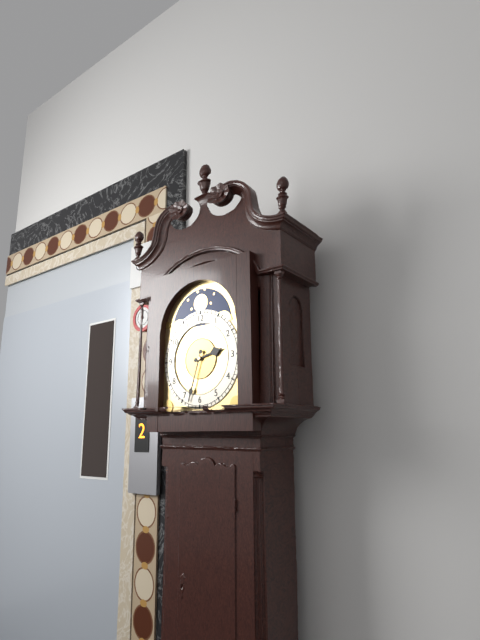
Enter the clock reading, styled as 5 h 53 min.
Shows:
2 h 33 min
